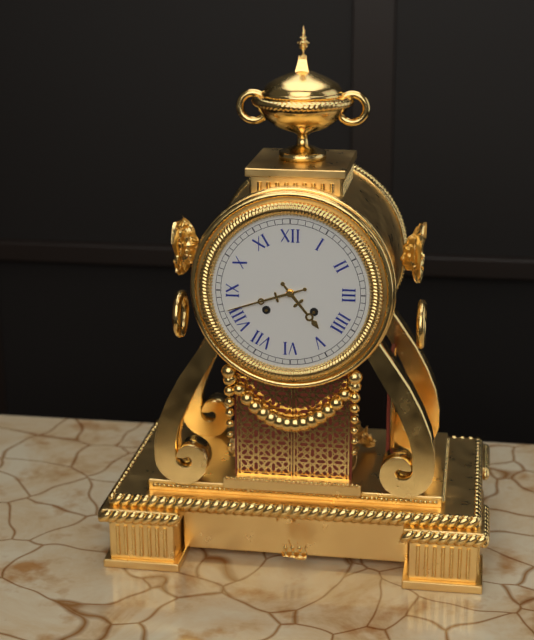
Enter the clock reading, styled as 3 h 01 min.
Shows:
4 h 42 min
